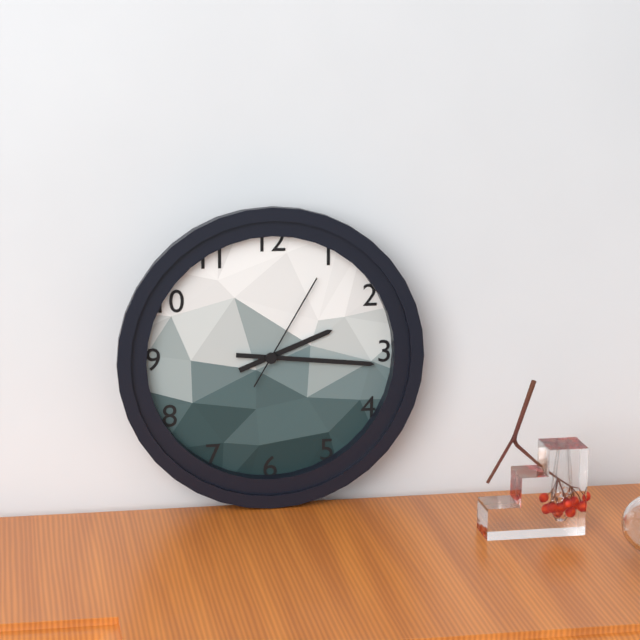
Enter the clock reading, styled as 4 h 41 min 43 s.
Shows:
2 h 16 min 05 s
